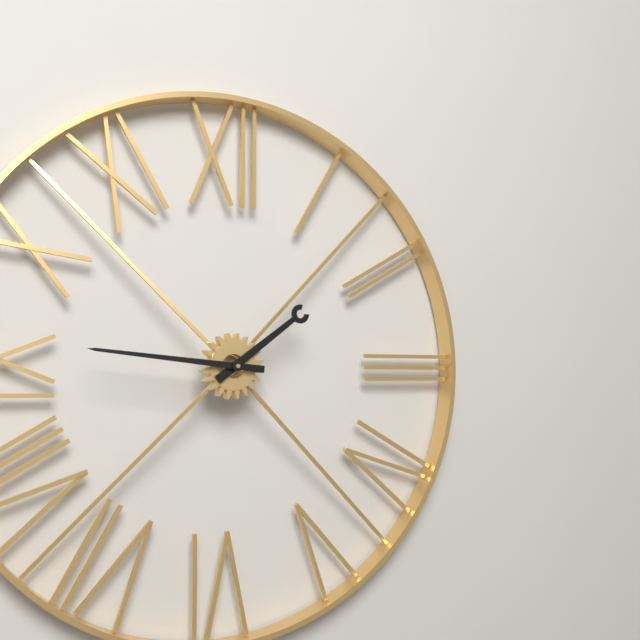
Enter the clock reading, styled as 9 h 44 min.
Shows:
1 h 46 min
